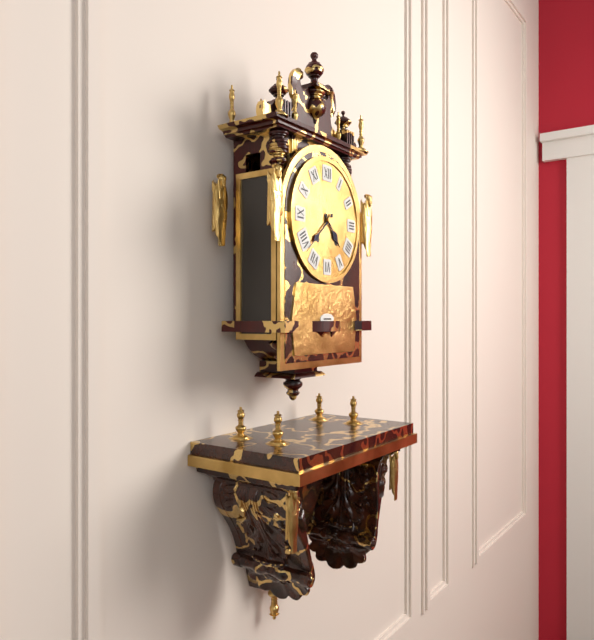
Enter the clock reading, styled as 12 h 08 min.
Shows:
4 h 38 min
